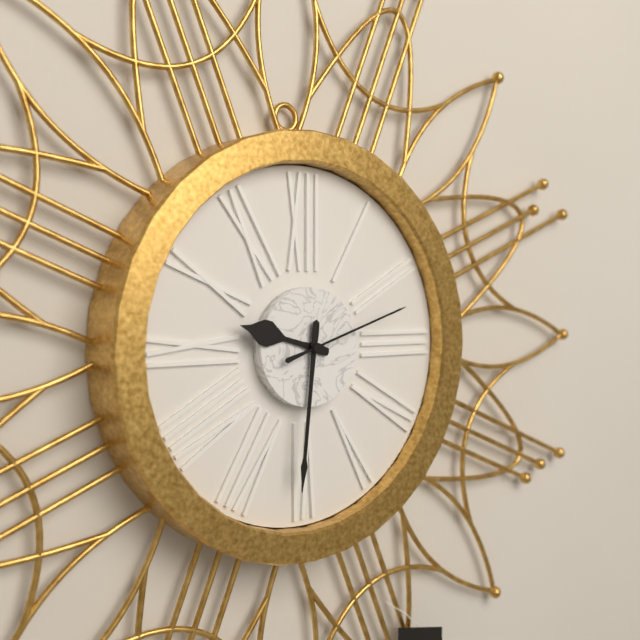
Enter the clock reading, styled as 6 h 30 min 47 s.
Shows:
9 h 31 min 12 s
